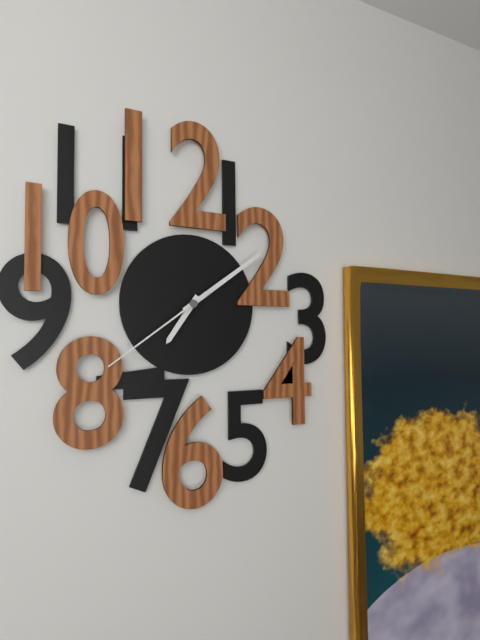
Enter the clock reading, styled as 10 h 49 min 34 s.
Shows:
7 h 09 min 39 s
